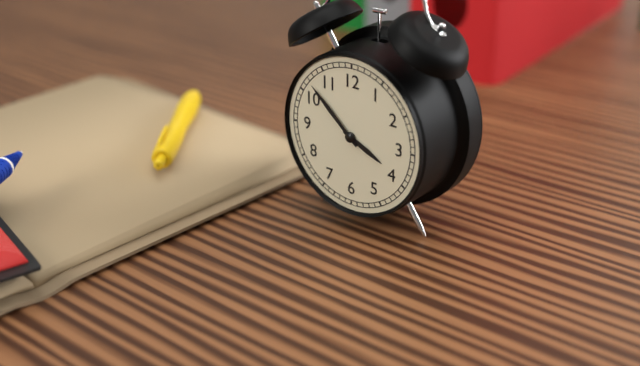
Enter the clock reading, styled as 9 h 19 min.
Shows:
3 h 52 min
